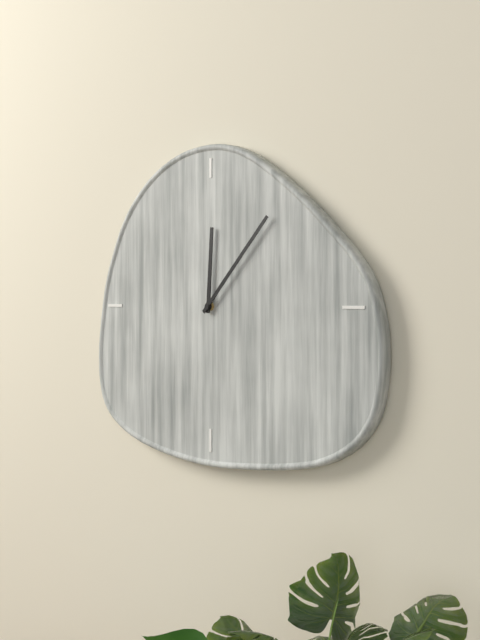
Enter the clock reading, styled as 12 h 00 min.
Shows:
12 h 07 min
